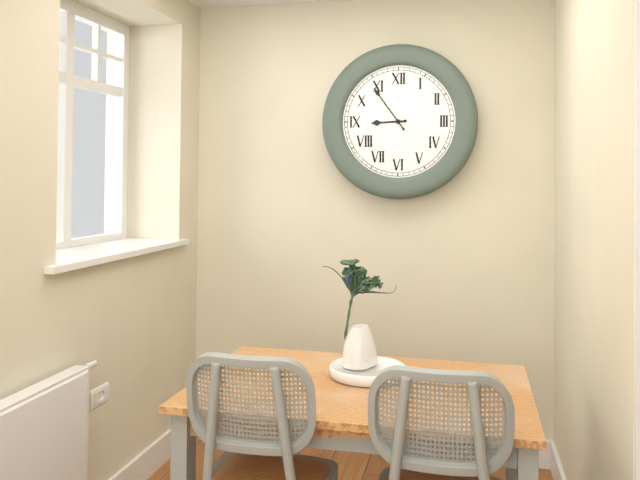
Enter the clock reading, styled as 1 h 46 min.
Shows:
8 h 54 min
